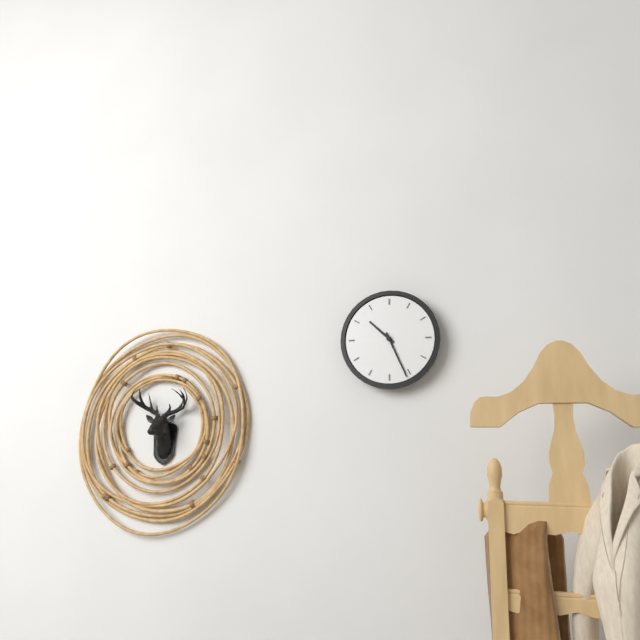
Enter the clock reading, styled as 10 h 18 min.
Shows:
10 h 26 min
